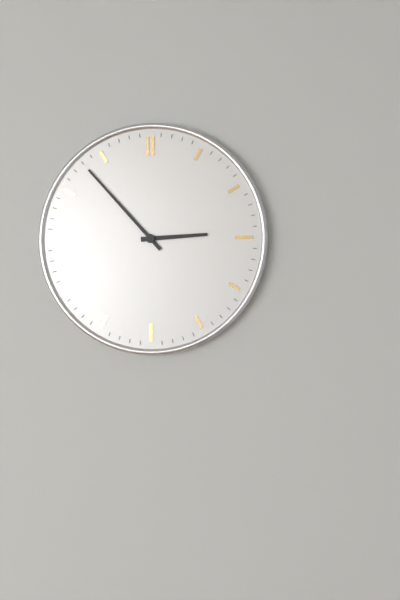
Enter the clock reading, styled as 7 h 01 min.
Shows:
2 h 53 min
